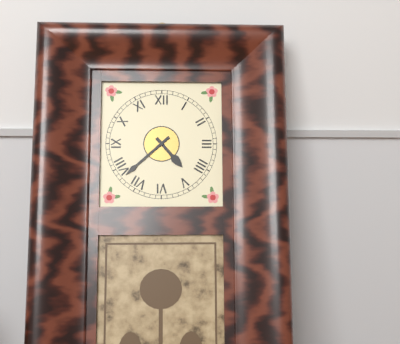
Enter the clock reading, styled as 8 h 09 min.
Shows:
4 h 38 min
